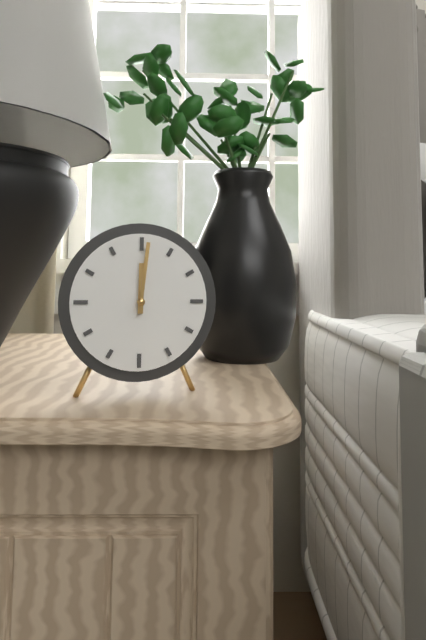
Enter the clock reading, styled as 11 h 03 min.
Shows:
12 h 01 min
